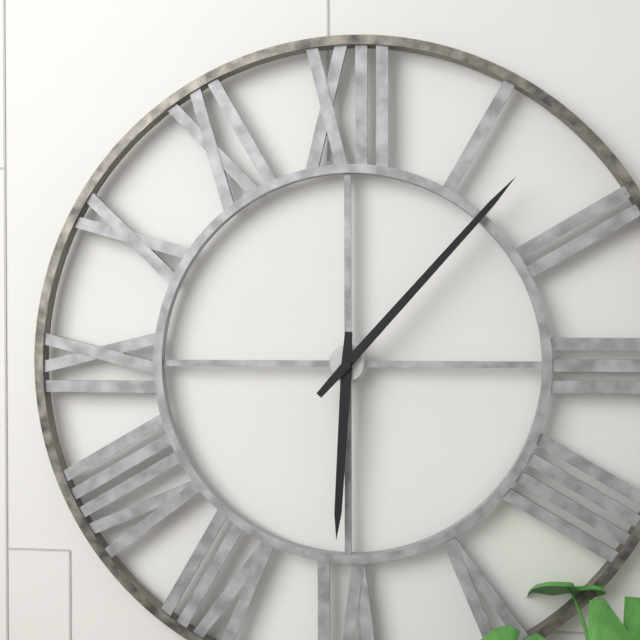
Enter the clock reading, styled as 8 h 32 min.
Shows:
6 h 07 min
